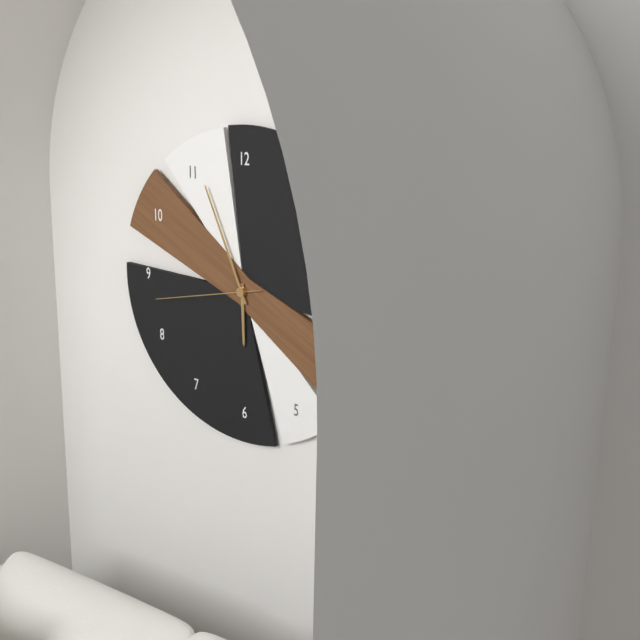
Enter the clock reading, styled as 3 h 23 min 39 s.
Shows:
5 h 56 min 43 s
